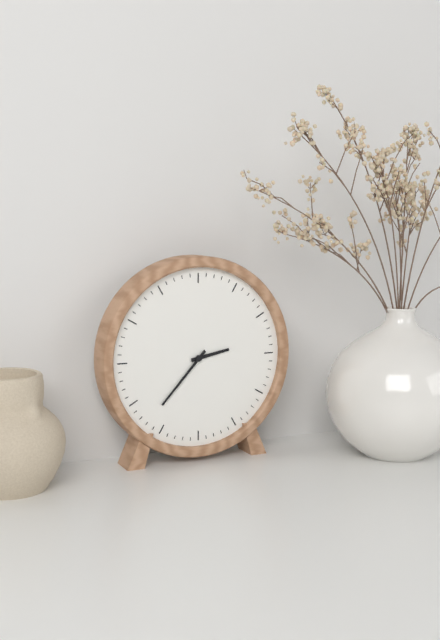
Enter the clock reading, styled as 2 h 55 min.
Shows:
2 h 37 min
